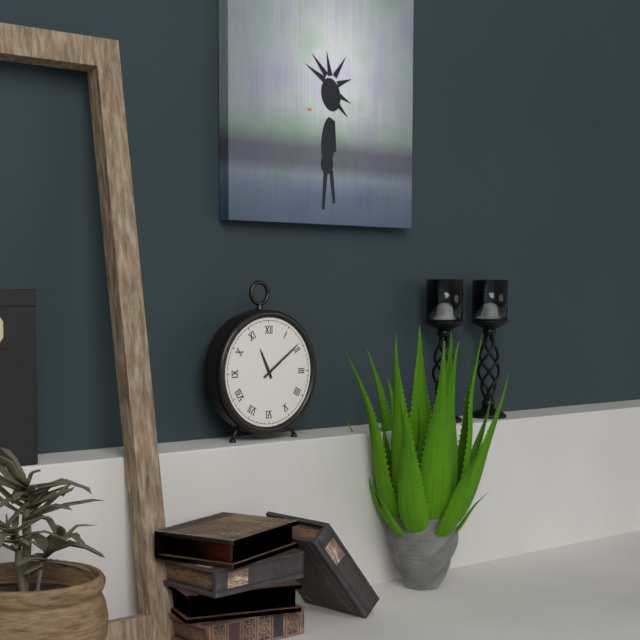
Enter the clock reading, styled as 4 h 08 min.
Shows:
11 h 09 min
